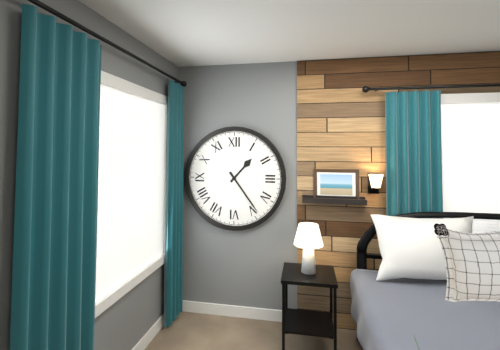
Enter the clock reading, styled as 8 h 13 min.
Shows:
1 h 24 min
